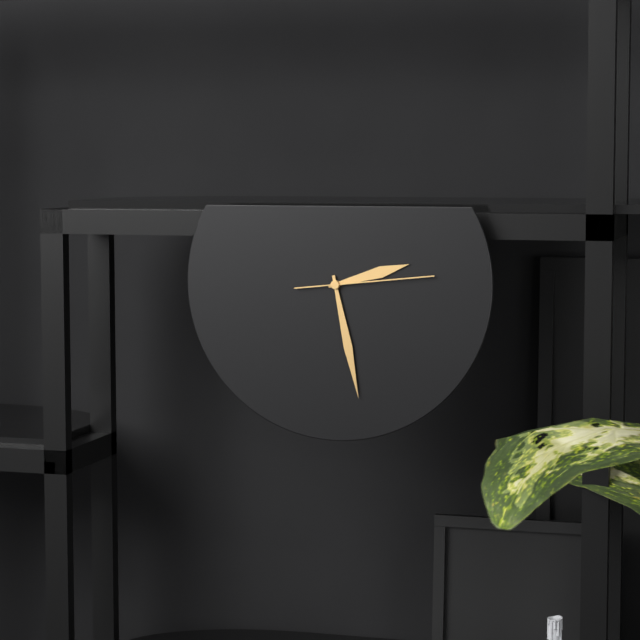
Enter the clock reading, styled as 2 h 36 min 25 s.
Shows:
2 h 28 min 14 s
